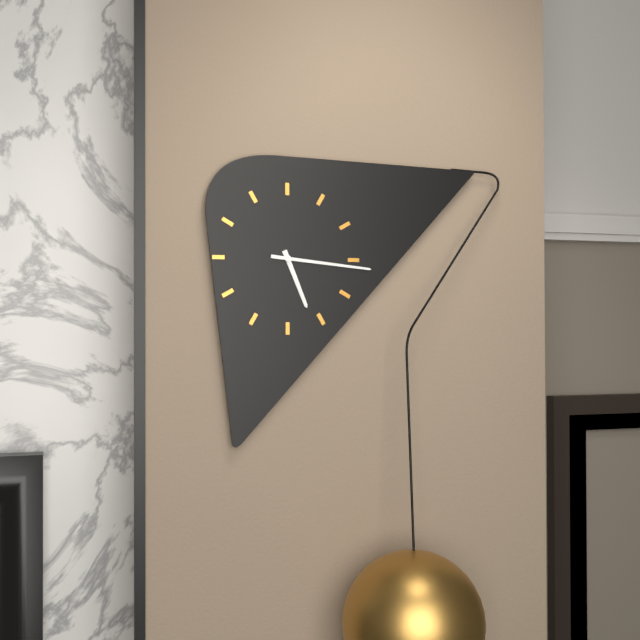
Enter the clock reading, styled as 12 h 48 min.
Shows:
5 h 16 min
